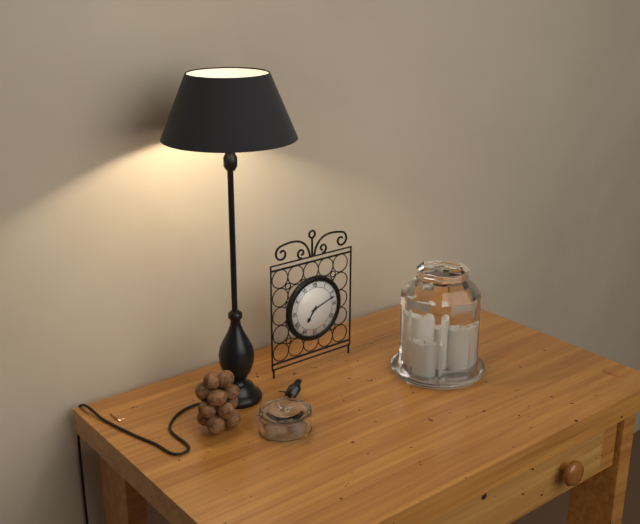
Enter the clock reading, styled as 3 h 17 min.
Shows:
7 h 12 min
